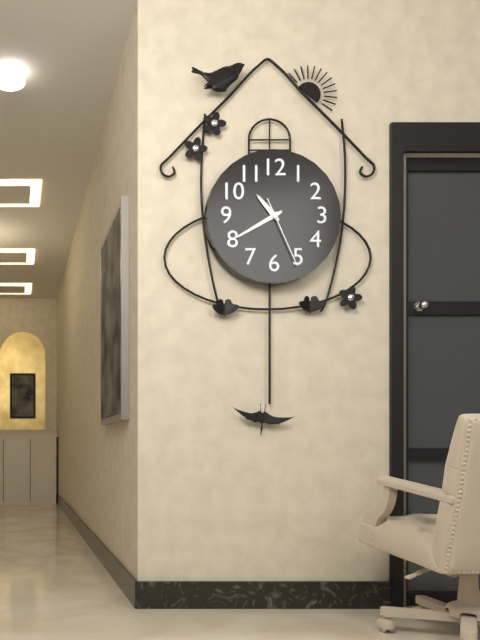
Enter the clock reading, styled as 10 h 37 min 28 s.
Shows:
10 h 40 min 26 s
